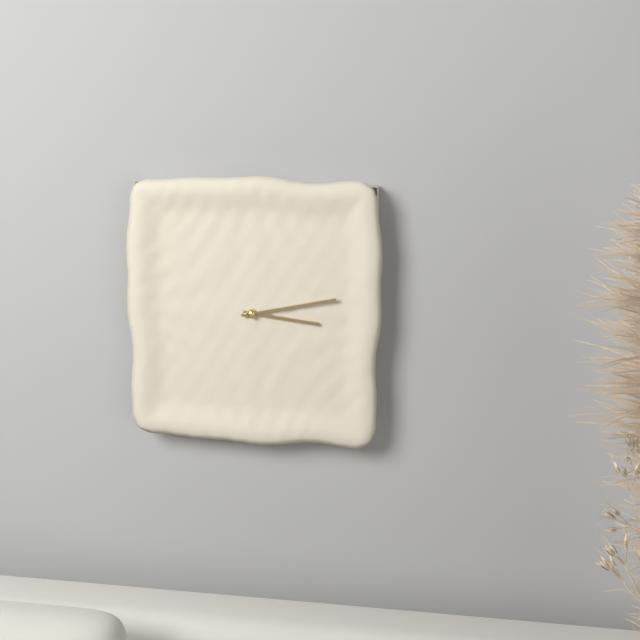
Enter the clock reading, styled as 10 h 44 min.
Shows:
3 h 13 min
